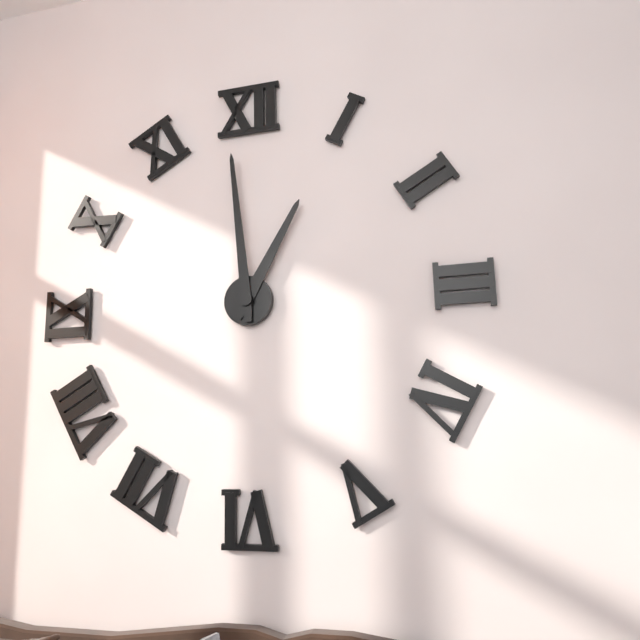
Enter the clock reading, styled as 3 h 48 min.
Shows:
12 h 59 min
